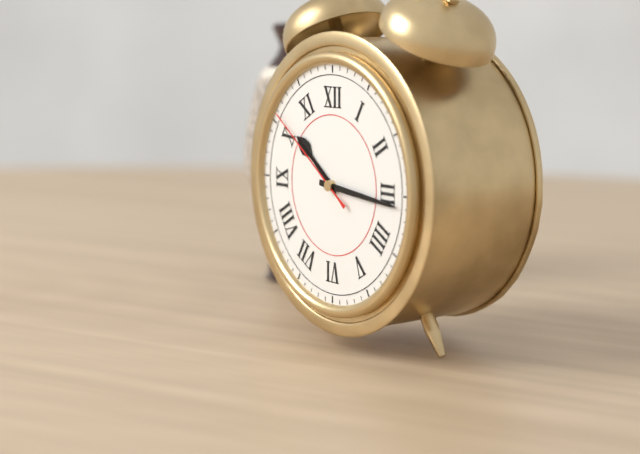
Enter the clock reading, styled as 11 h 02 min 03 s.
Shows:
10 h 16 min 51 s
